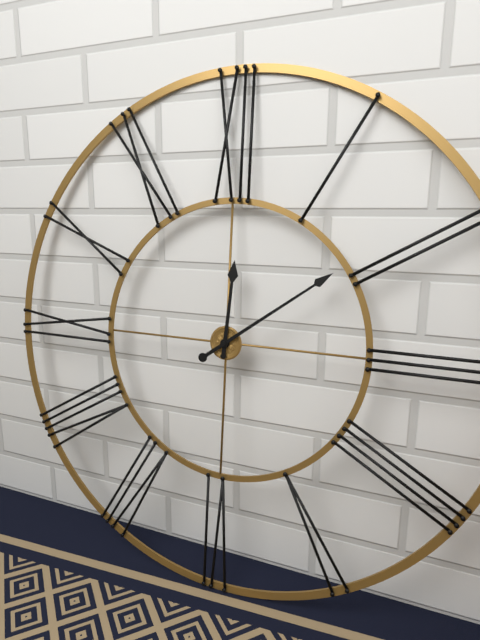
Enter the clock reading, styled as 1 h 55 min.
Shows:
12 h 09 min
